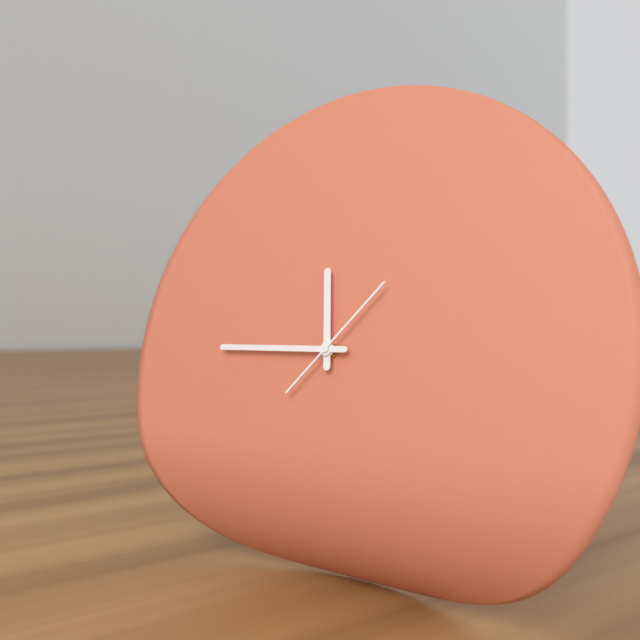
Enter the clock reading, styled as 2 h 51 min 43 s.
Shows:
11 h 45 min 07 s
